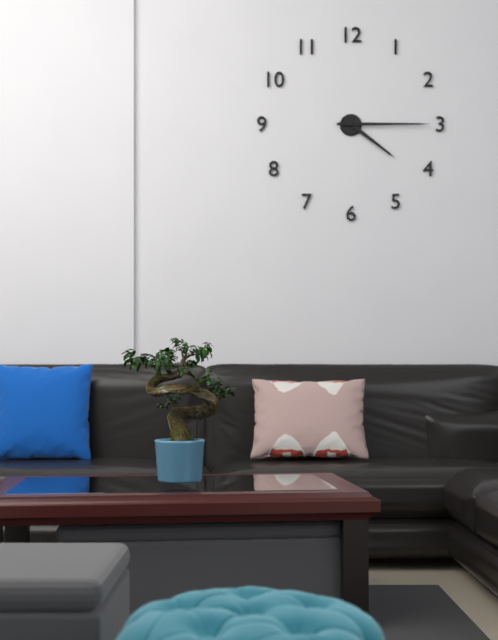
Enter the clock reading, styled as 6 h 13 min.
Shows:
4 h 15 min
